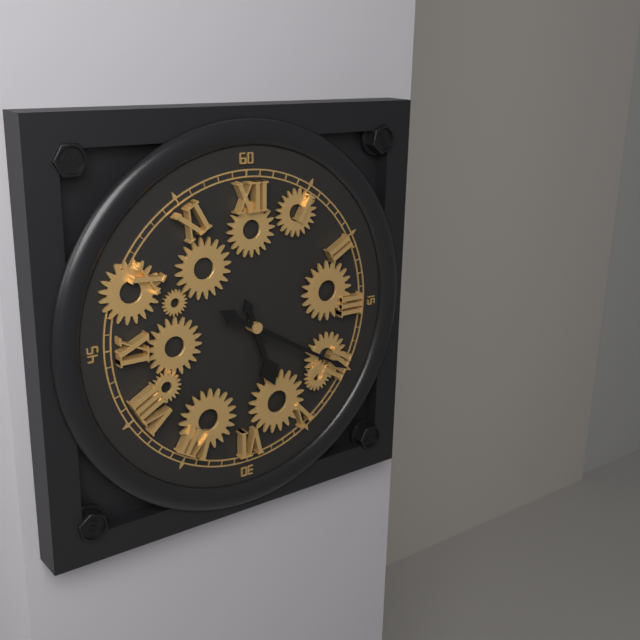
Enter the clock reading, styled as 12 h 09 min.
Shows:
5 h 20 min
